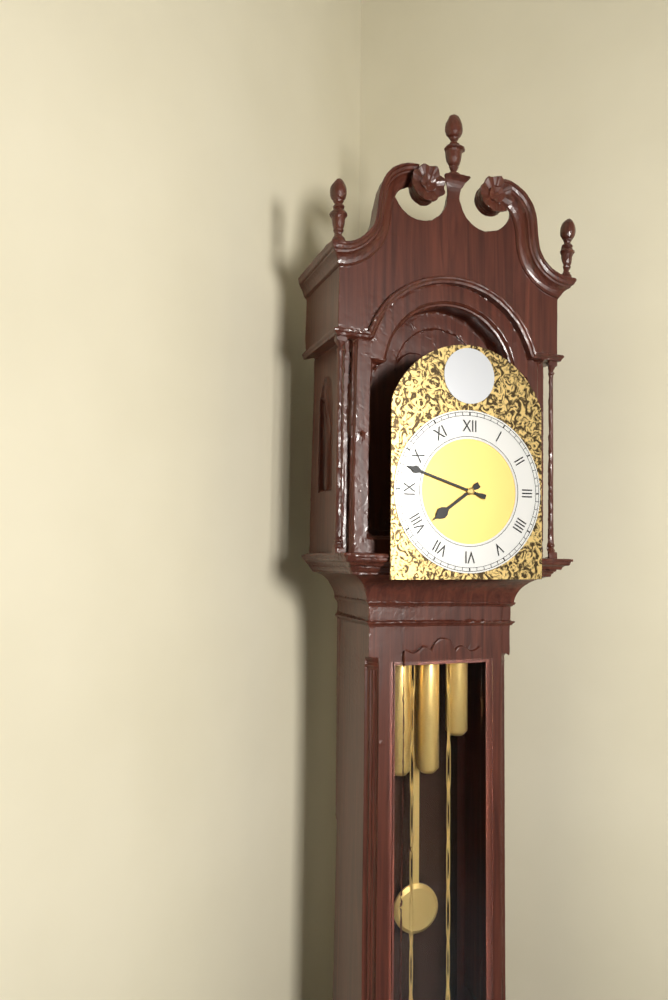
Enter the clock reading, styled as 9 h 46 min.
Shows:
7 h 48 min
